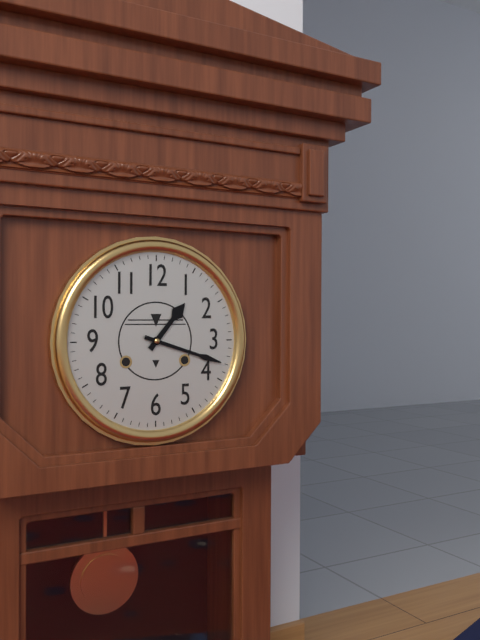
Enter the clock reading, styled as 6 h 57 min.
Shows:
1 h 18 min
